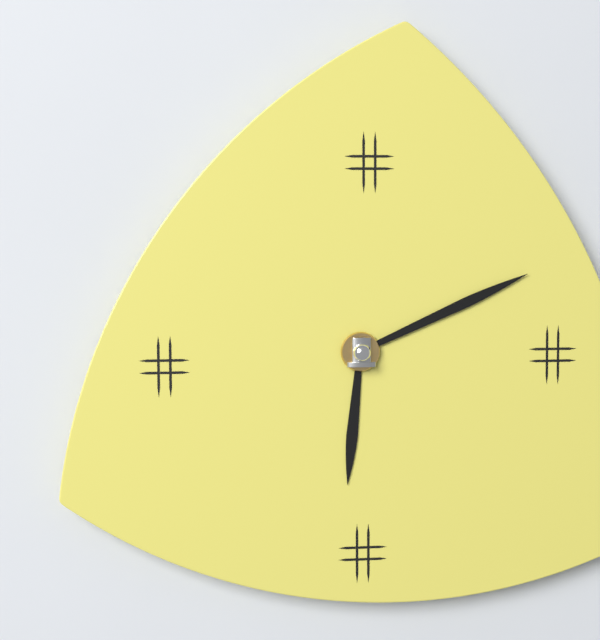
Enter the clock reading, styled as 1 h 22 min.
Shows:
6 h 11 min
